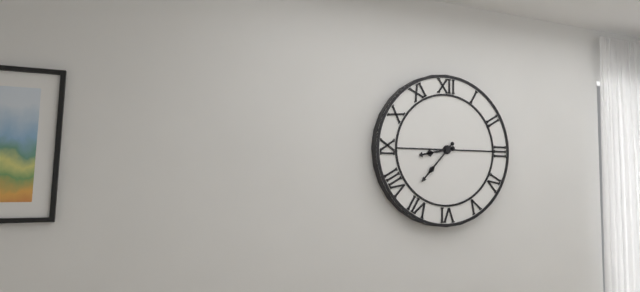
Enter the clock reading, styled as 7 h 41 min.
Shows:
8 h 37 min
